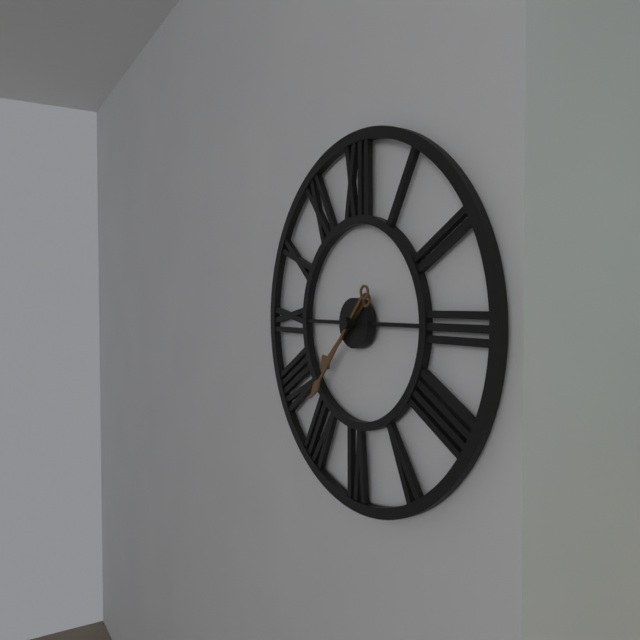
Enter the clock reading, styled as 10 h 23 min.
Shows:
7 h 37 min
